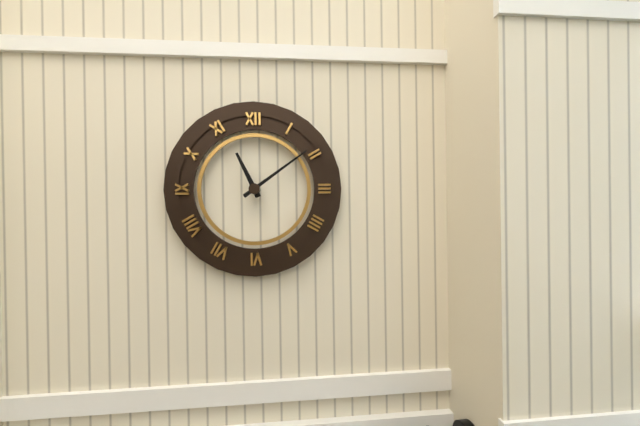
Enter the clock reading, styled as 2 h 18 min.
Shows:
11 h 09 min
